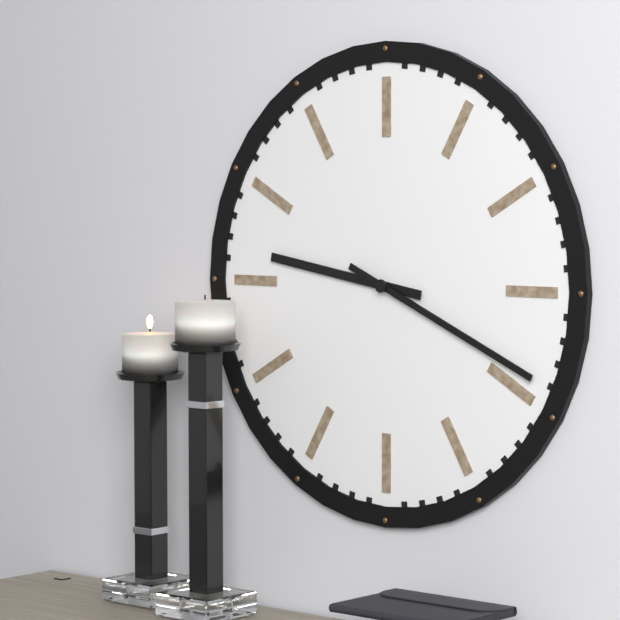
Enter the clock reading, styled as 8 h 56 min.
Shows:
9 h 19 min
